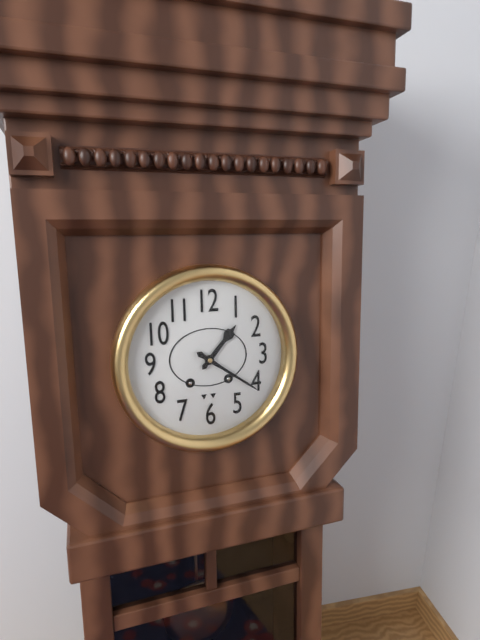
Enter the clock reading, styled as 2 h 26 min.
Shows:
1 h 21 min
